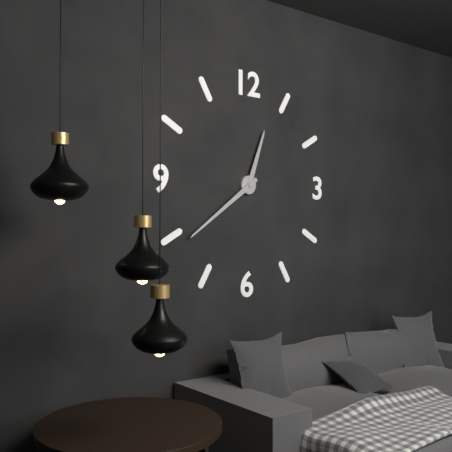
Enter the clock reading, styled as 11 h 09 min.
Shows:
12 h 39 min
